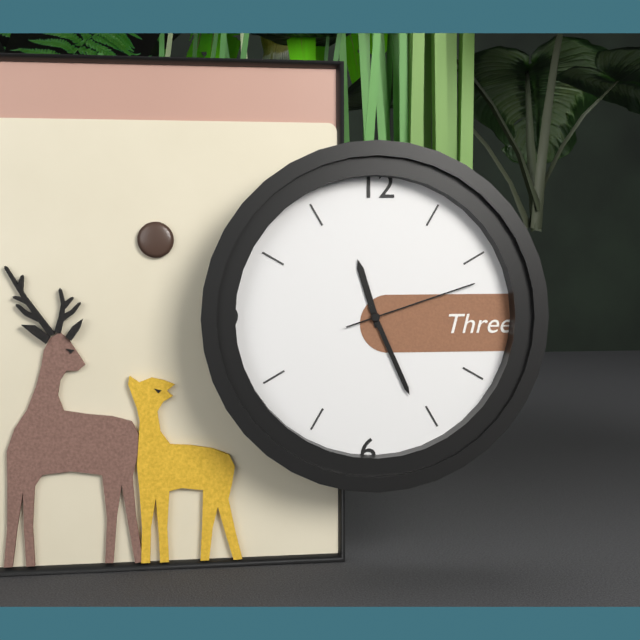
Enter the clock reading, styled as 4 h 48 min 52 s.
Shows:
11 h 26 min 12 s
